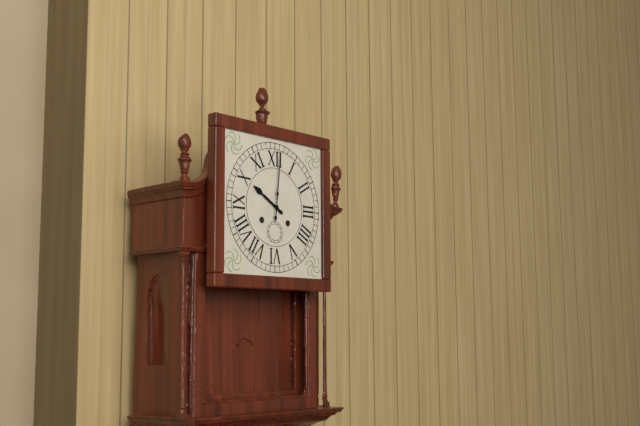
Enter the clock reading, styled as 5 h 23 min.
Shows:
10 h 01 min
